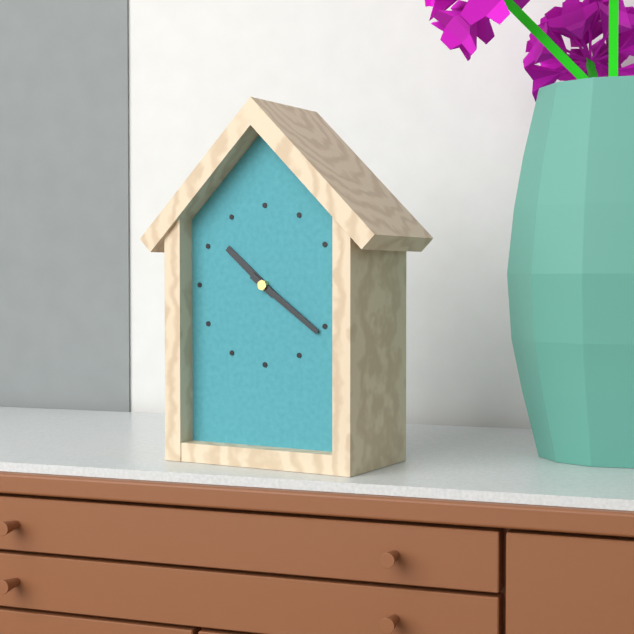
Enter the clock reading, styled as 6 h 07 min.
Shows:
10 h 21 min
